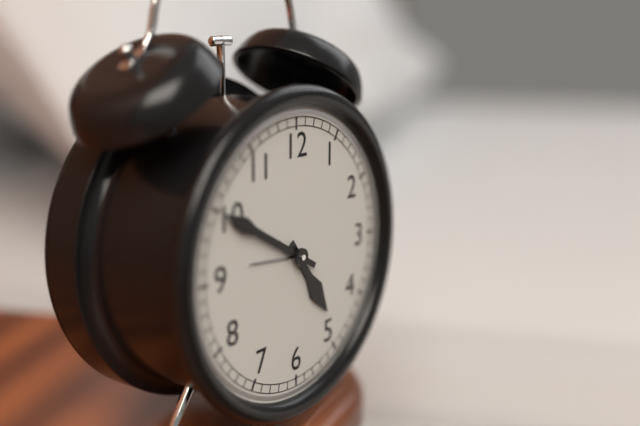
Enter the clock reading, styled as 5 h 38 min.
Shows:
4 h 50 min
